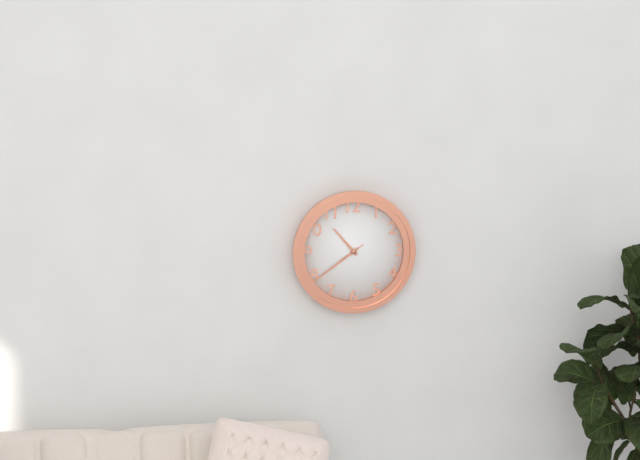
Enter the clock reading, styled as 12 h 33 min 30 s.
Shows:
10 h 39 min 39 s
